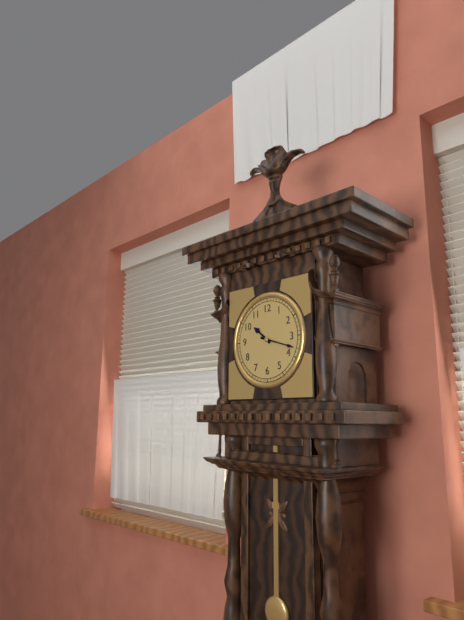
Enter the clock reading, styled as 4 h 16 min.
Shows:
10 h 18 min
